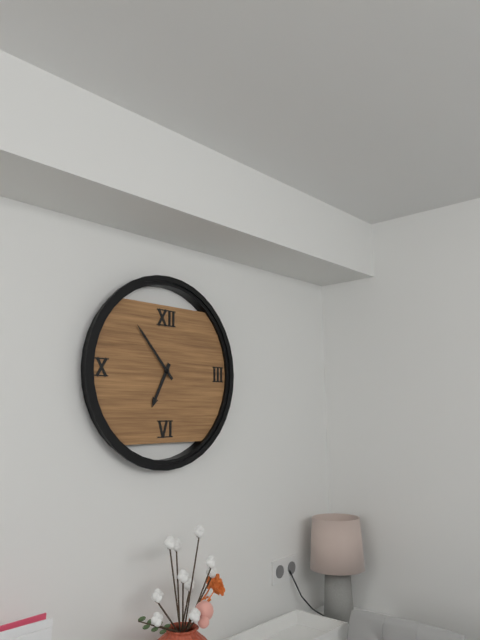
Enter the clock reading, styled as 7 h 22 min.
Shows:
6 h 53 min
